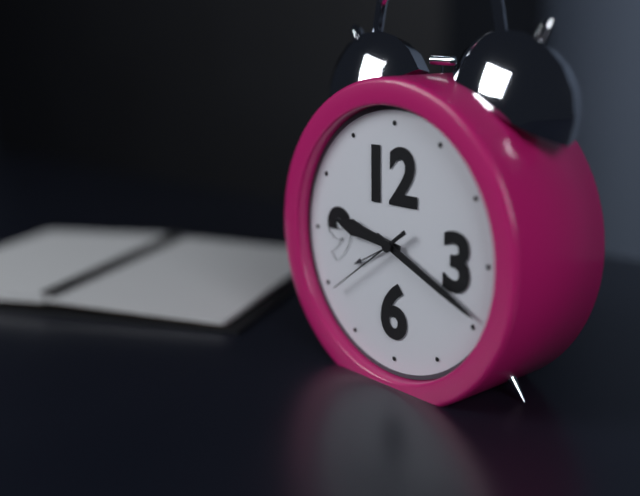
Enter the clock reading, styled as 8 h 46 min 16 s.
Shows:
9 h 19 min 39 s
